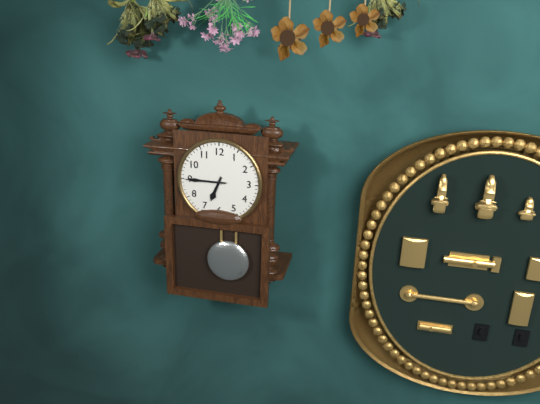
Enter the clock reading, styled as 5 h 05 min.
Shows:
6 h 45 min
